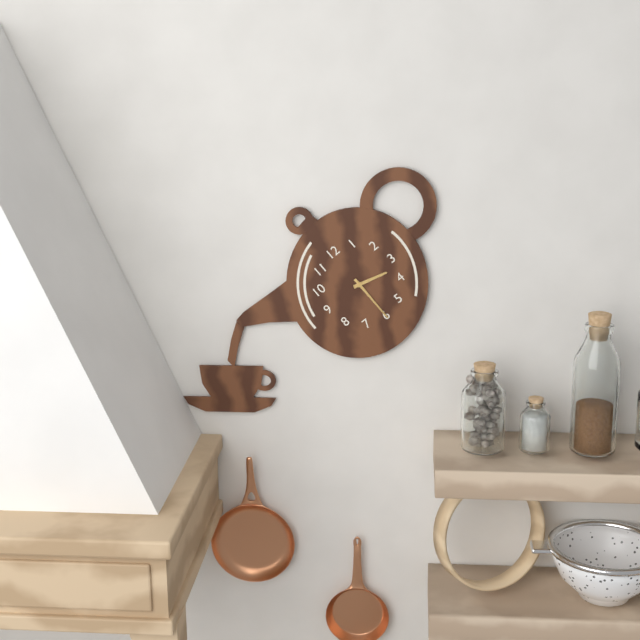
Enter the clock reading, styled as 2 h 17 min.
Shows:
3 h 30 min
